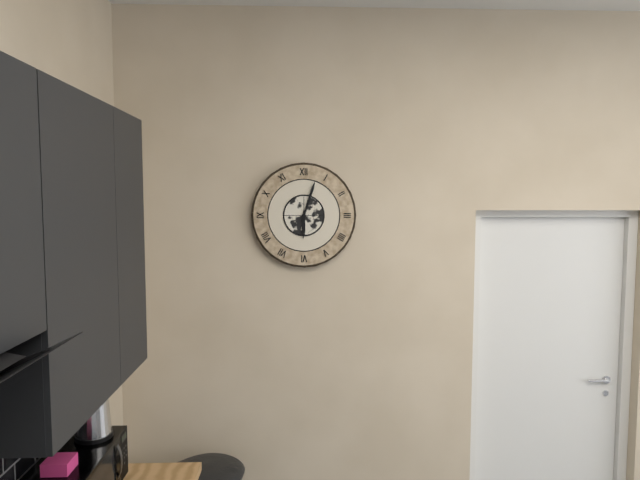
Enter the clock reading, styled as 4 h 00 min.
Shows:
6 h 03 min
